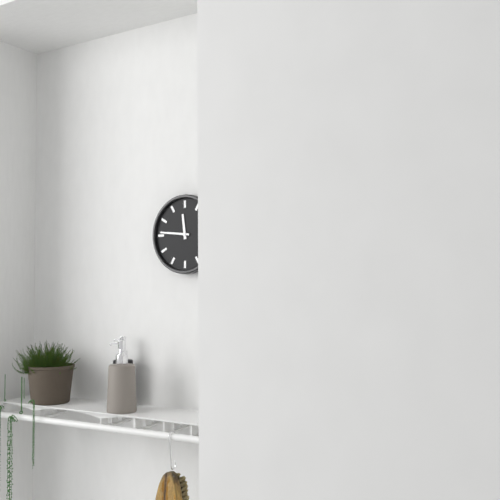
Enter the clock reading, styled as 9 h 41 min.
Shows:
11 h 46 min
